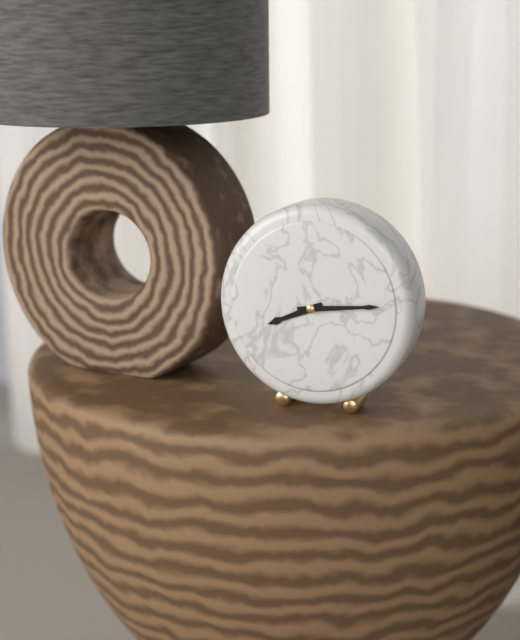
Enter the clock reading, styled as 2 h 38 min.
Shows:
8 h 14 min
